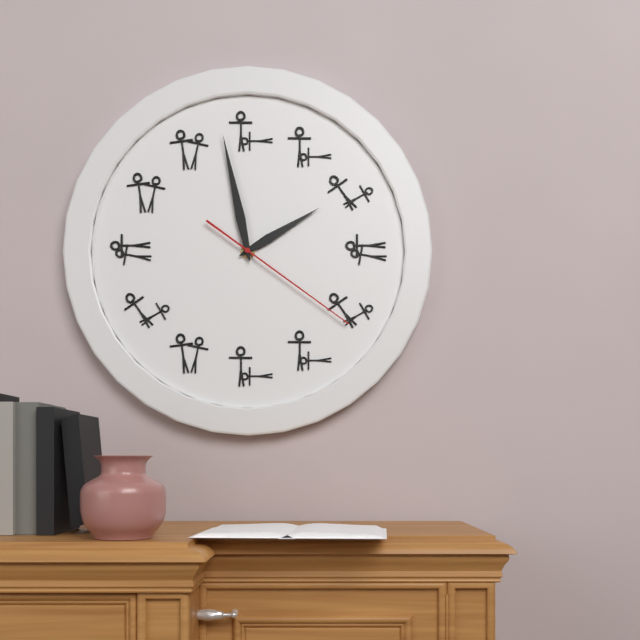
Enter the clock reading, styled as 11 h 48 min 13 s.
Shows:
1 h 58 min 21 s
